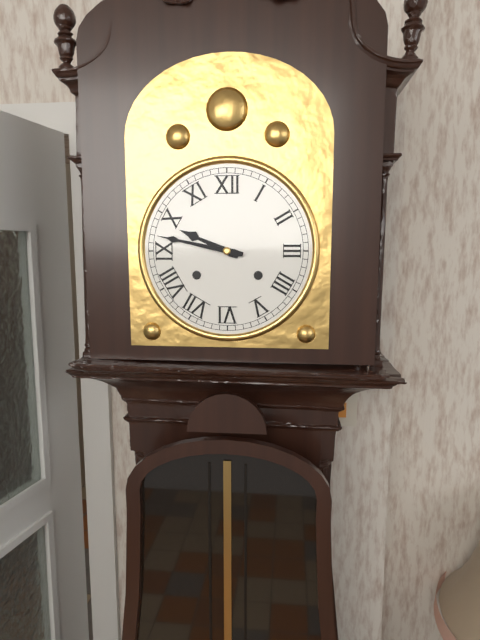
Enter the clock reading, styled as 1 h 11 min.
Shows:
9 h 47 min
